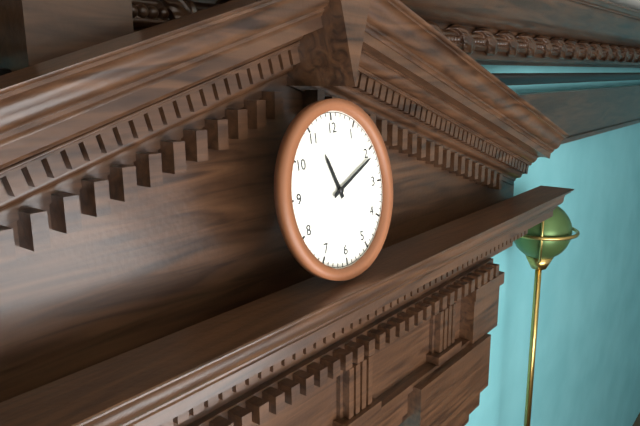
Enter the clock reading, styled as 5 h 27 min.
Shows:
11 h 11 min
